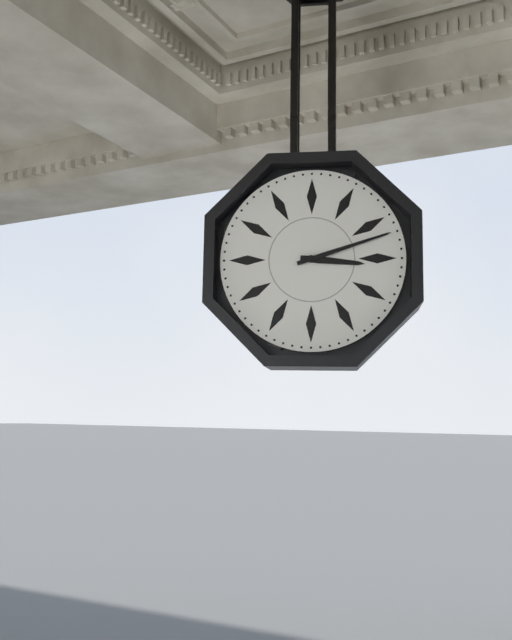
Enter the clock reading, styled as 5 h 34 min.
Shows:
3 h 12 min
